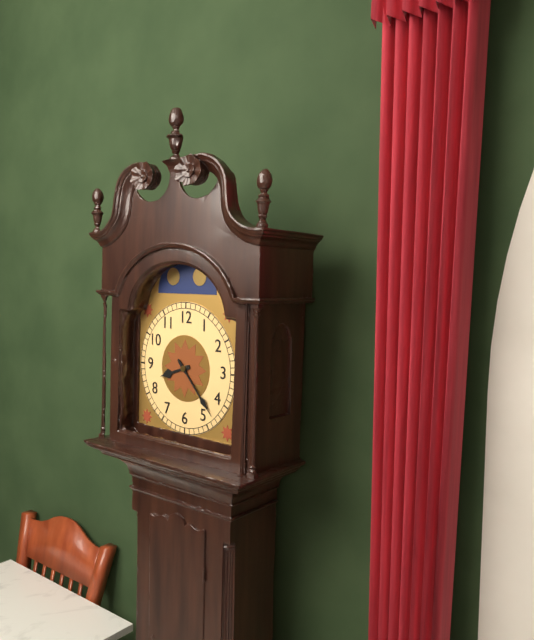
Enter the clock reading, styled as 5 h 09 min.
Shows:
8 h 23 min
